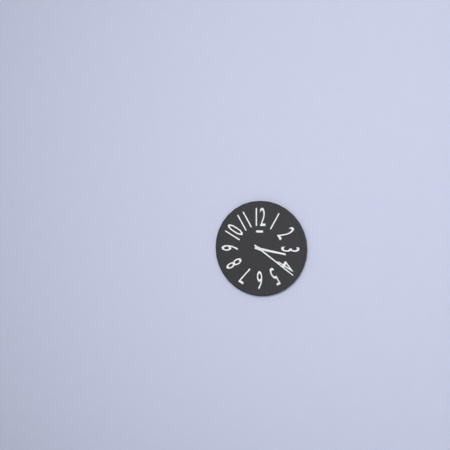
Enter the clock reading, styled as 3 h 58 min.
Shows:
3 h 21 min
